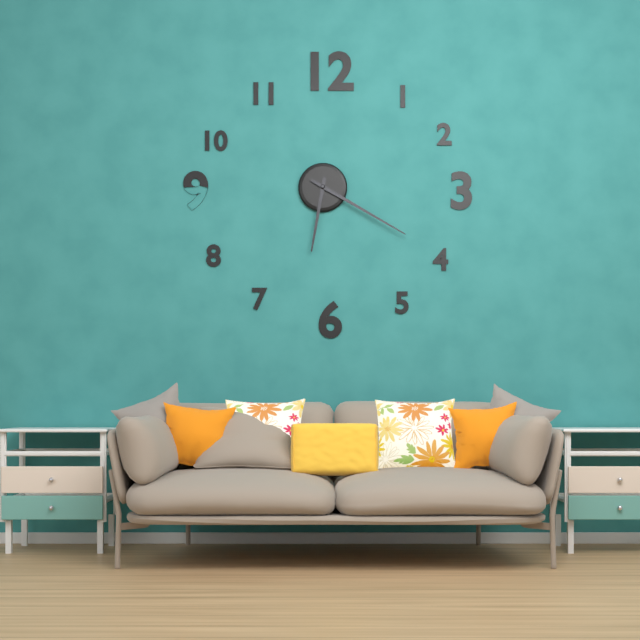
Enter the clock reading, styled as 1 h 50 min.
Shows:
6 h 20 min
